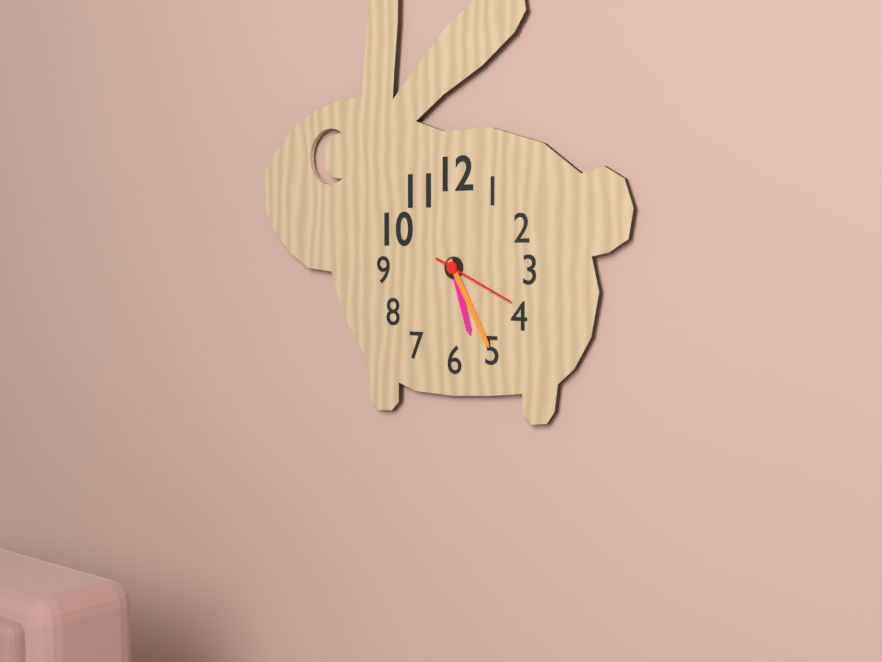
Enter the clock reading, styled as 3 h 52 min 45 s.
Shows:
5 h 25 min 19 s
